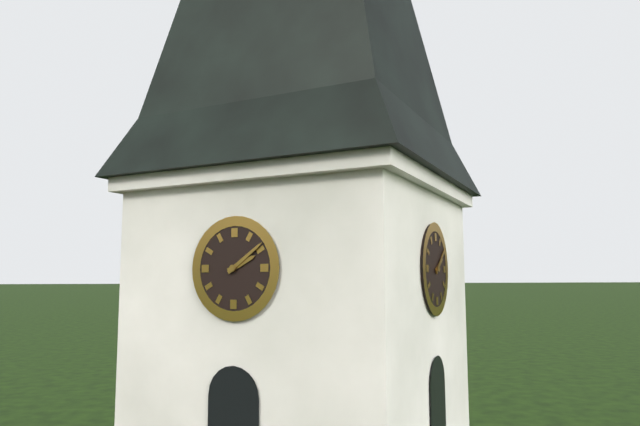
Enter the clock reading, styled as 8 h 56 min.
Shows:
2 h 09 min
